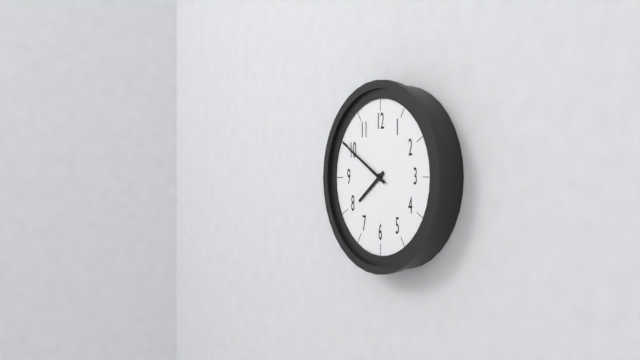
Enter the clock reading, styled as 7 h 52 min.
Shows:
7 h 50 min
